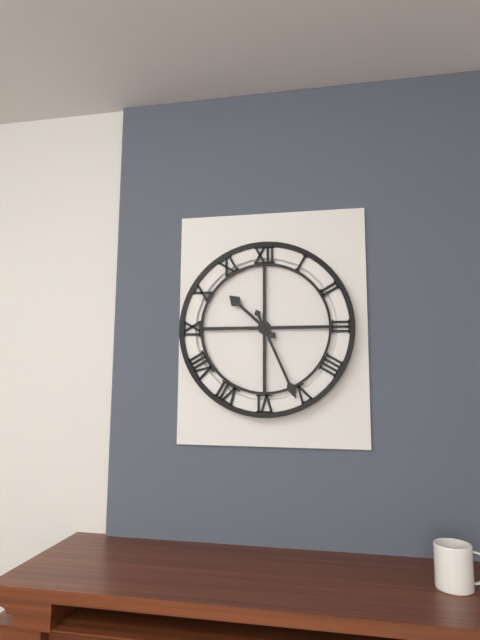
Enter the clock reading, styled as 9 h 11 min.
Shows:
10 h 26 min
